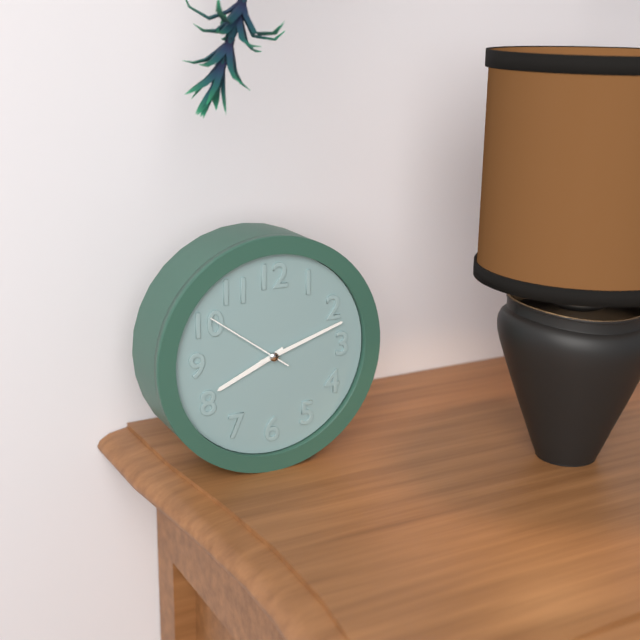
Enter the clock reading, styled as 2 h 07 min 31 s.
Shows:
8 h 12 min 51 s
